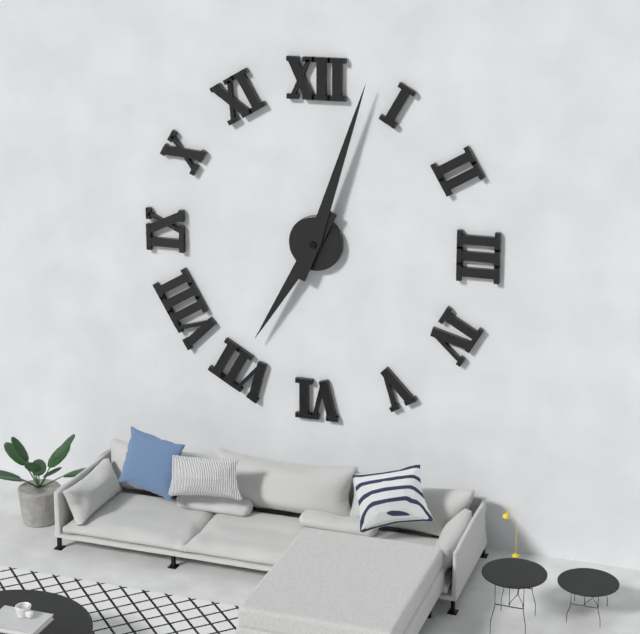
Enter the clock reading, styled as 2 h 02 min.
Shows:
7 h 03 min
